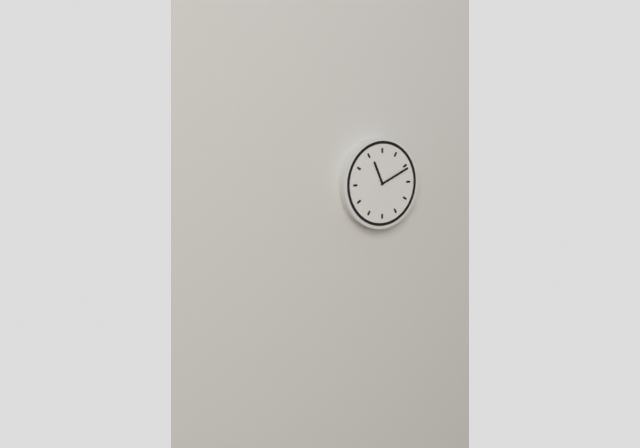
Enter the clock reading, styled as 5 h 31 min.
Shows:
11 h 11 min
